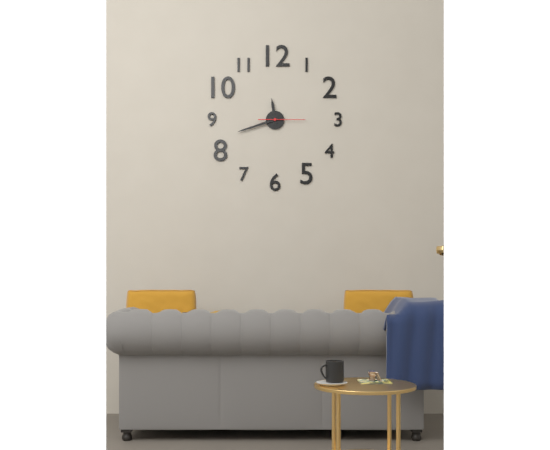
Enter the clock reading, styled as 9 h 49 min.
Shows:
11 h 42 min
